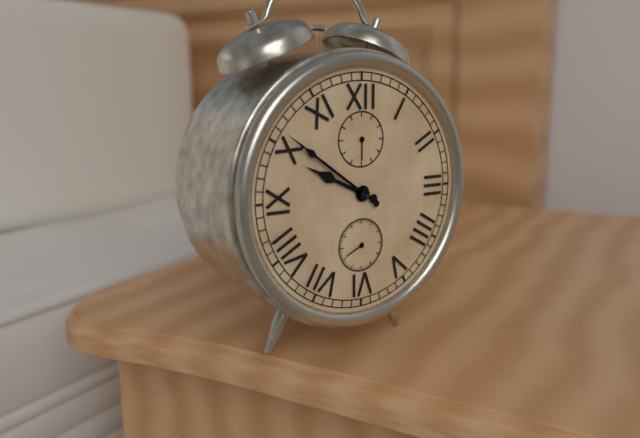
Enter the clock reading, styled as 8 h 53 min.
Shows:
9 h 51 min
